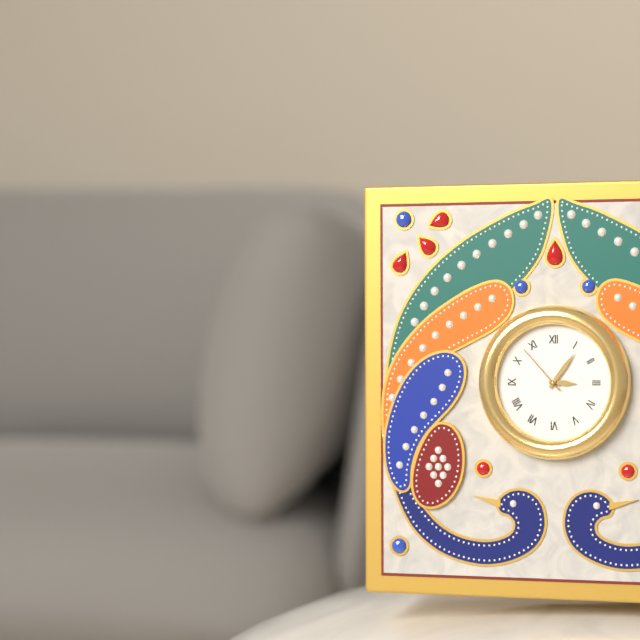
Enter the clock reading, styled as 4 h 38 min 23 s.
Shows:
3 h 06 min 53 s
